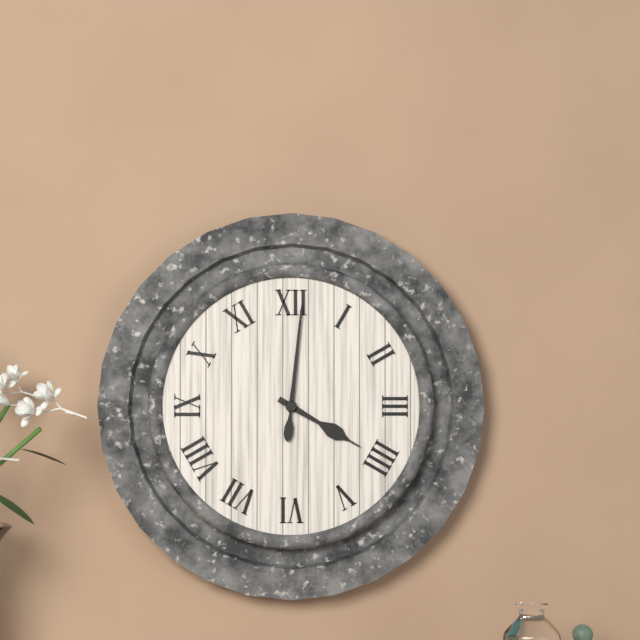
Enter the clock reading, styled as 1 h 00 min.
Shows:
4 h 01 min
